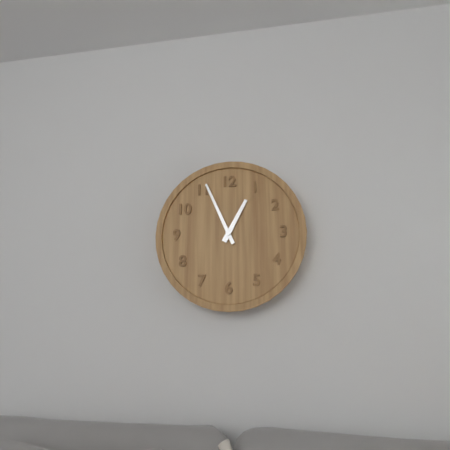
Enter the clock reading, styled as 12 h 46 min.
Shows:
12 h 56 min
